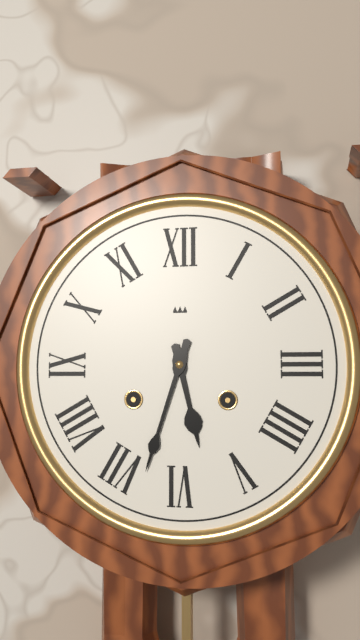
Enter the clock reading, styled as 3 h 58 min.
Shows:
5 h 33 min
